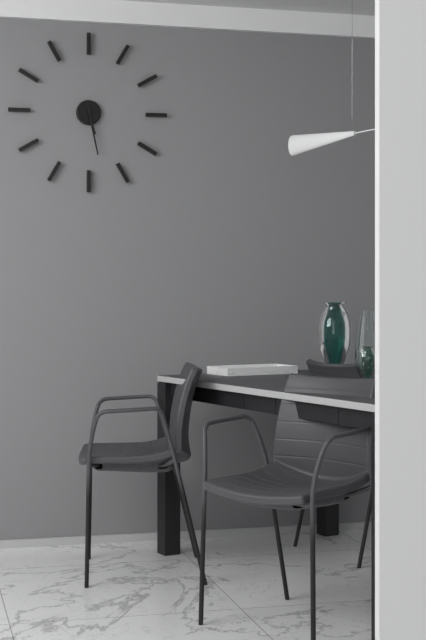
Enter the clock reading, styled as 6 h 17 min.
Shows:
5 h 28 min
